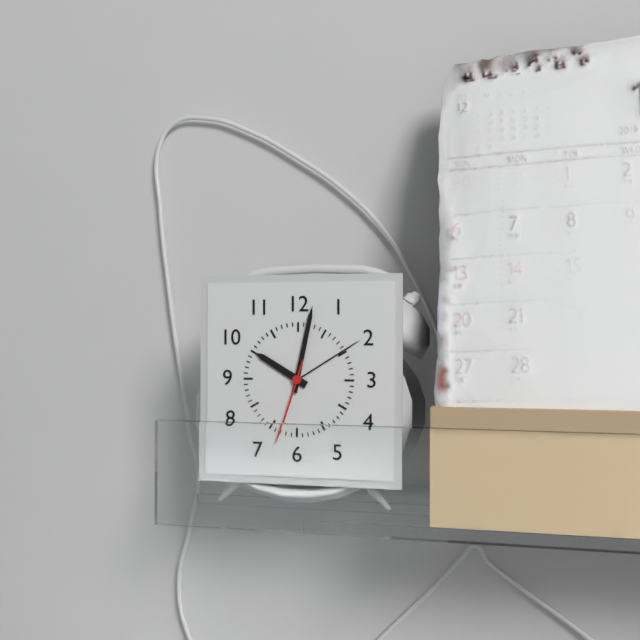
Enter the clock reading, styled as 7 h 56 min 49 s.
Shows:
10 h 02 min 33 s
